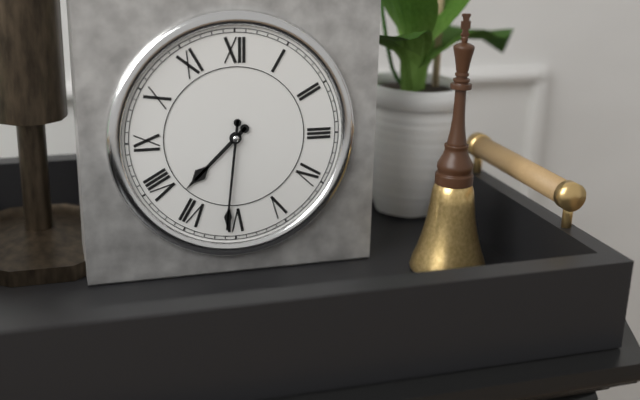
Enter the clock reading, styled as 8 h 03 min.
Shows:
7 h 31 min
